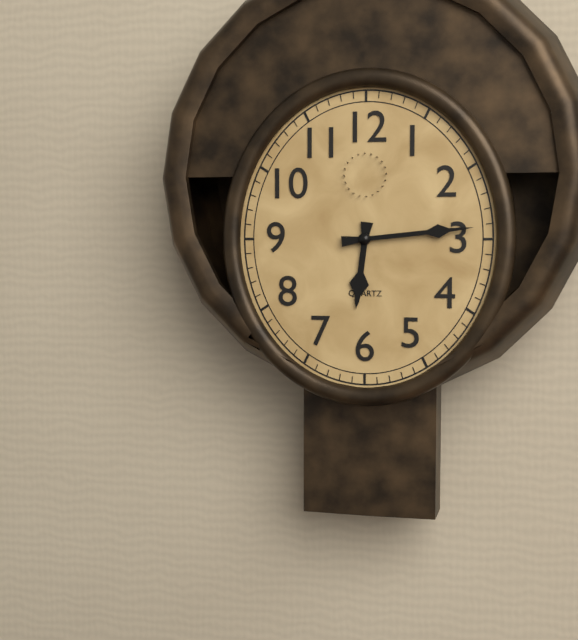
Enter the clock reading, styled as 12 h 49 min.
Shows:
6 h 14 min
